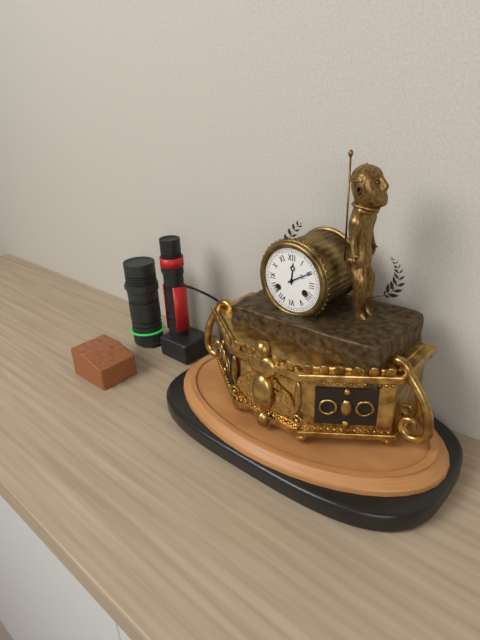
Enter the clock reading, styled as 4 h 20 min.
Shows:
12 h 10 min
